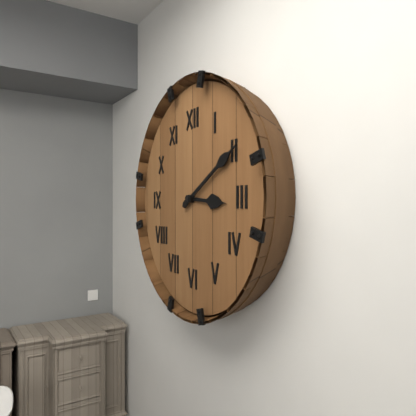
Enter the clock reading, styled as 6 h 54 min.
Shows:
3 h 10 min
